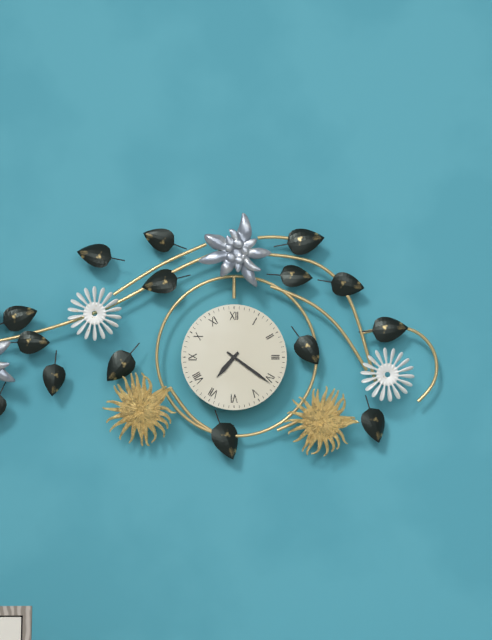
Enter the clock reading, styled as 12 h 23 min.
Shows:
7 h 21 min
